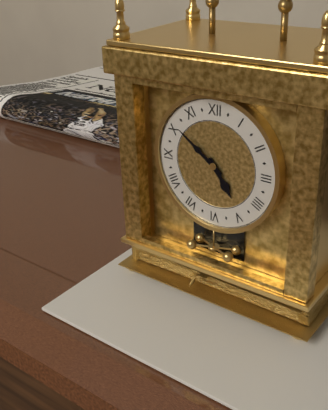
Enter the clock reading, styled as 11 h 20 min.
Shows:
4 h 51 min
